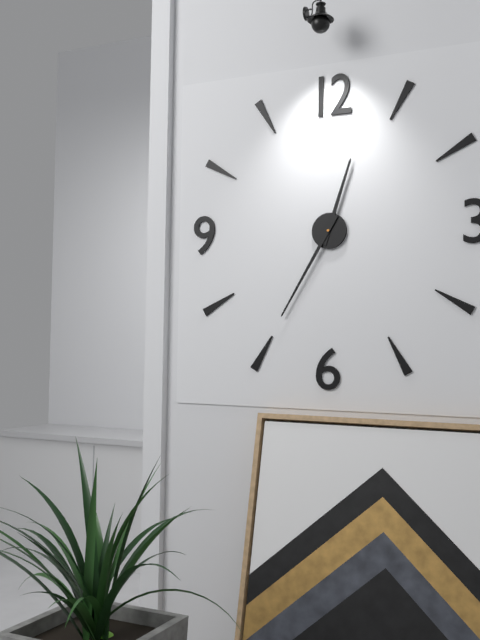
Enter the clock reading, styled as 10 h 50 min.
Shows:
12 h 35 min
